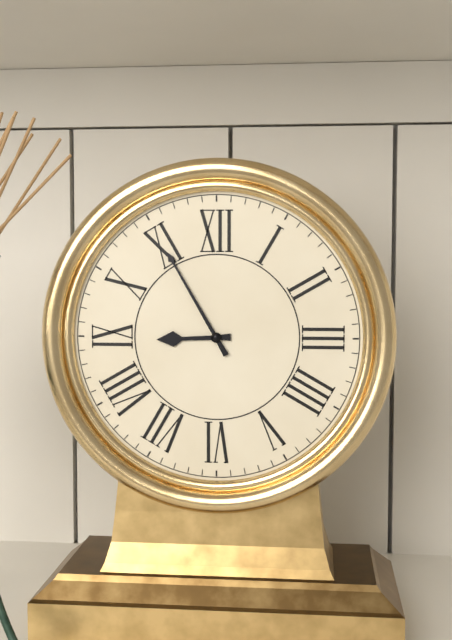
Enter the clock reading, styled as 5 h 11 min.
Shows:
8 h 55 min
